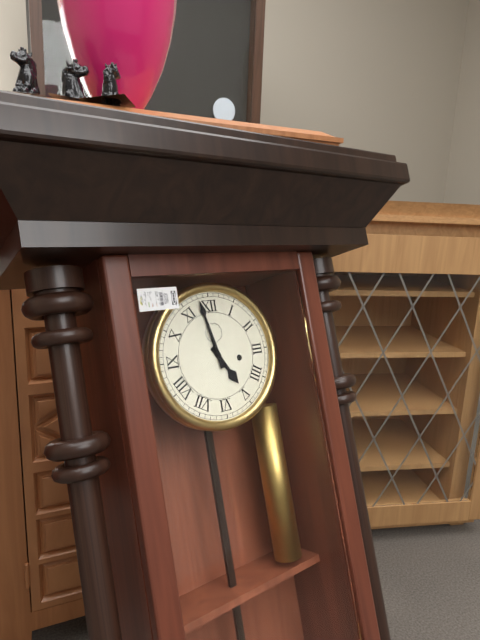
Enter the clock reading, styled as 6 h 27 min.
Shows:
4 h 58 min
